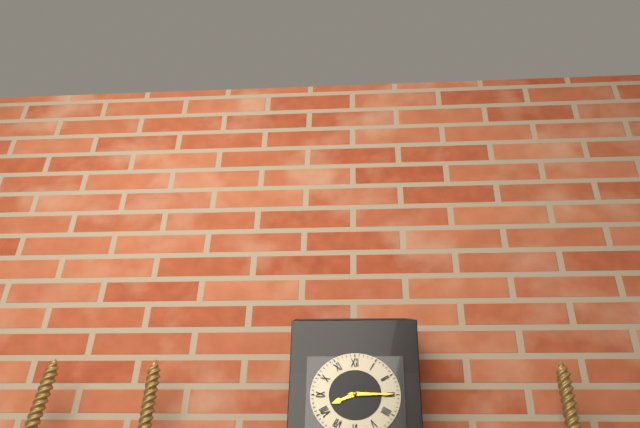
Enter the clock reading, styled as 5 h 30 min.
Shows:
8 h 15 min
